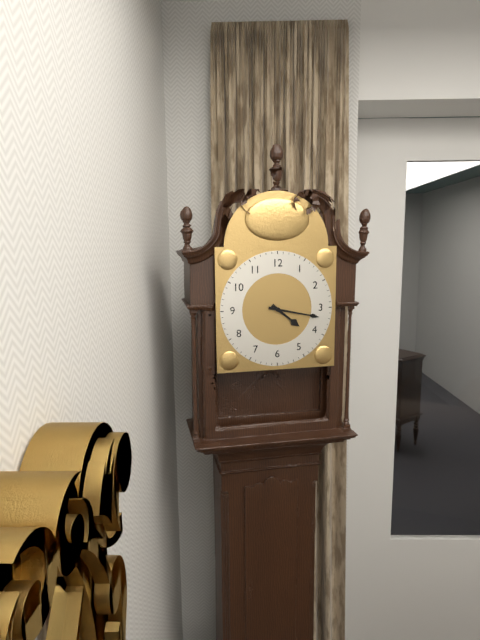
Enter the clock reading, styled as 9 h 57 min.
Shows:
4 h 17 min
